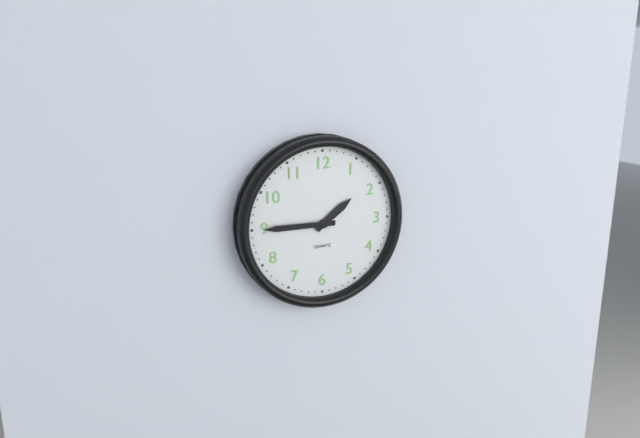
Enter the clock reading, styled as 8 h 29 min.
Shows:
1 h 45 min
